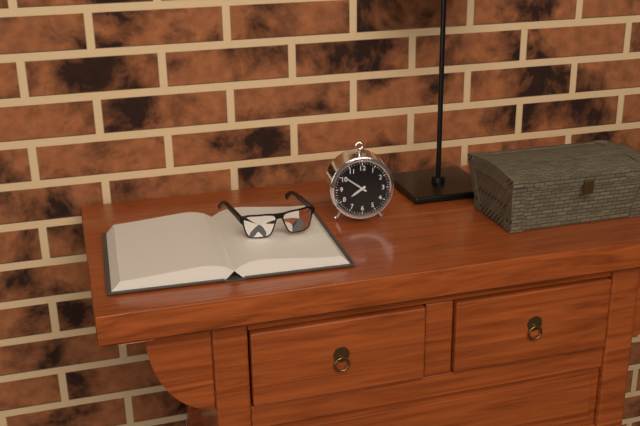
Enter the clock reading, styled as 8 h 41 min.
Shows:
7 h 51 min
